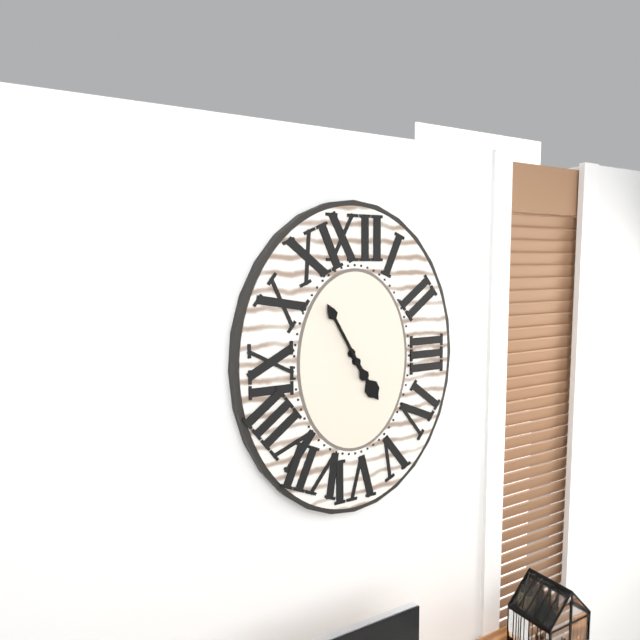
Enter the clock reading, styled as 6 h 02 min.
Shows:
4 h 55 min
